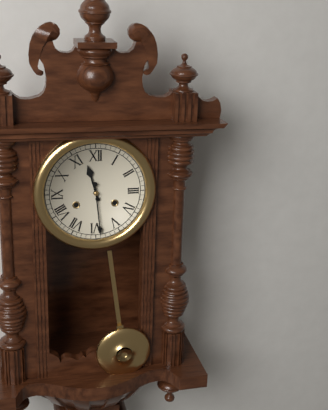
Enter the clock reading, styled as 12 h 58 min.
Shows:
11 h 29 min
